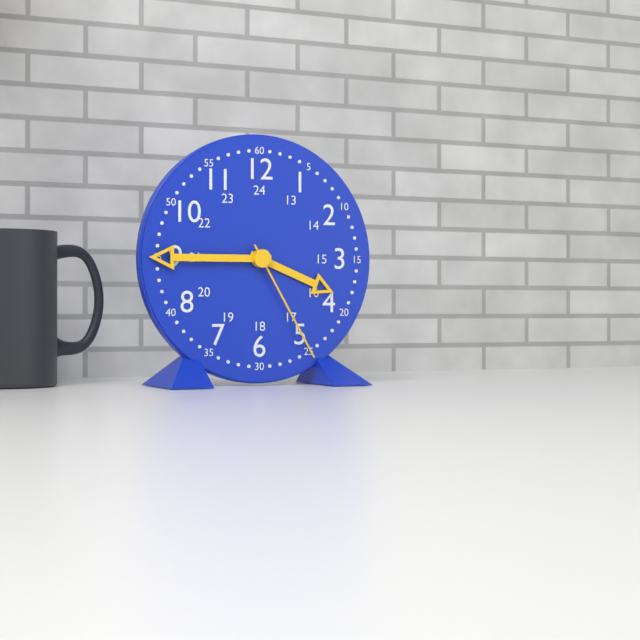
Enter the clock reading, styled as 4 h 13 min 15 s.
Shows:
3 h 45 min 25 s
